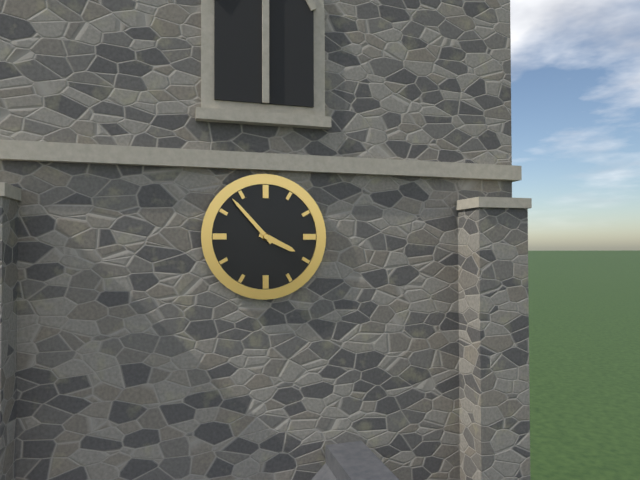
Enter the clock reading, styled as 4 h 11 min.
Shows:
3 h 53 min
